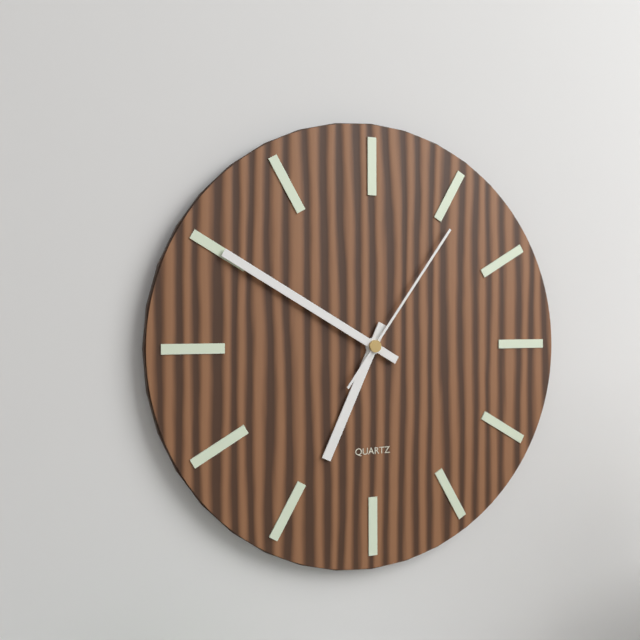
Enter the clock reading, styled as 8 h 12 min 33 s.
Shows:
6 h 50 min 06 s
